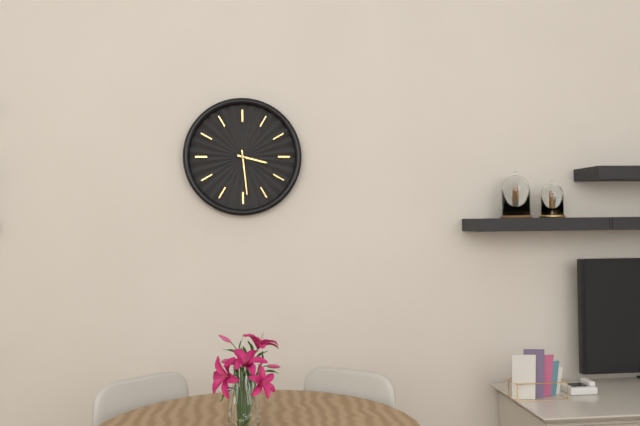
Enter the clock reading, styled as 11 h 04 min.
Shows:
3 h 29 min
